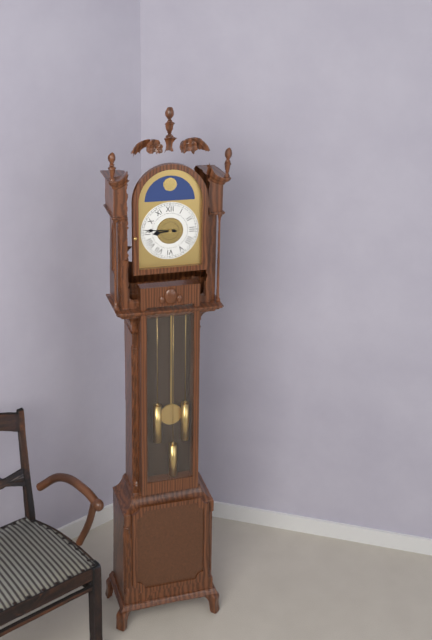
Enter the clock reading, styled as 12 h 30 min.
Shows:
8 h 46 min
